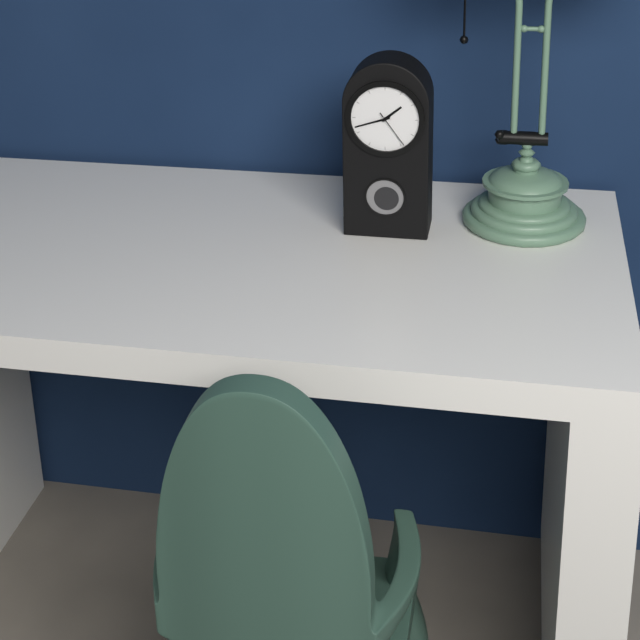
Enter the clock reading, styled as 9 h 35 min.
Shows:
1 h 42 min
